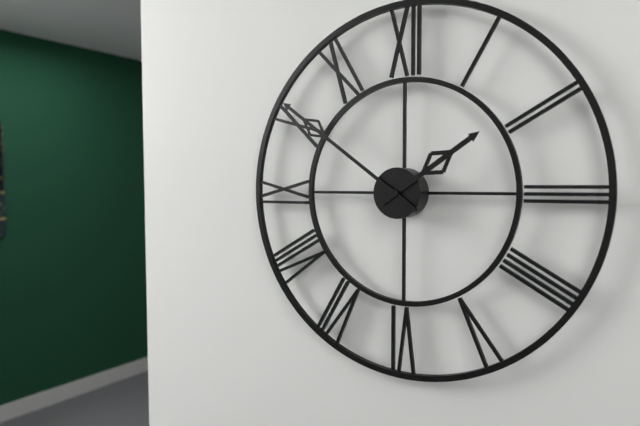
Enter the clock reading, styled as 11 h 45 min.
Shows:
1 h 51 min
